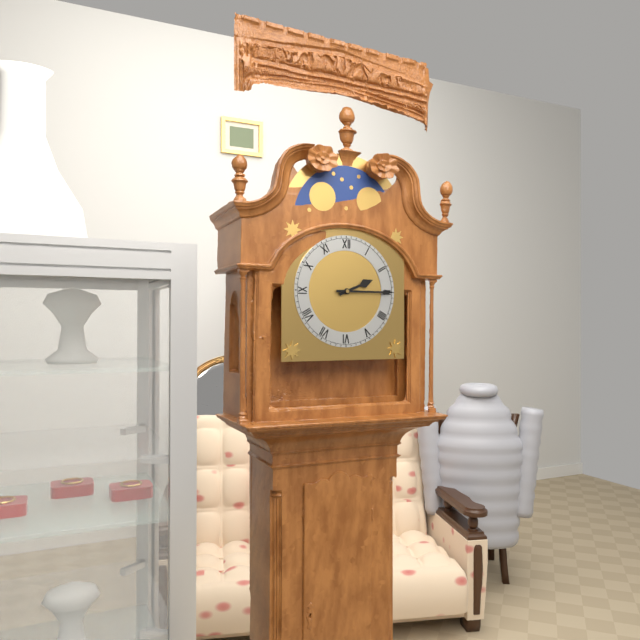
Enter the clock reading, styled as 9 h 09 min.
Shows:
2 h 15 min
